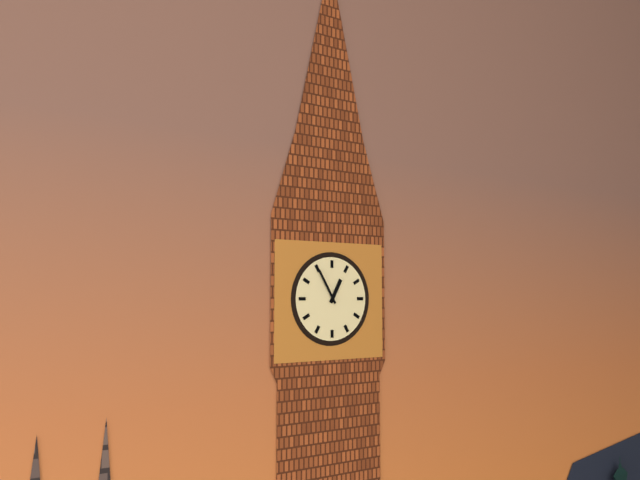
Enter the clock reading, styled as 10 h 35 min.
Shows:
12 h 55 min
